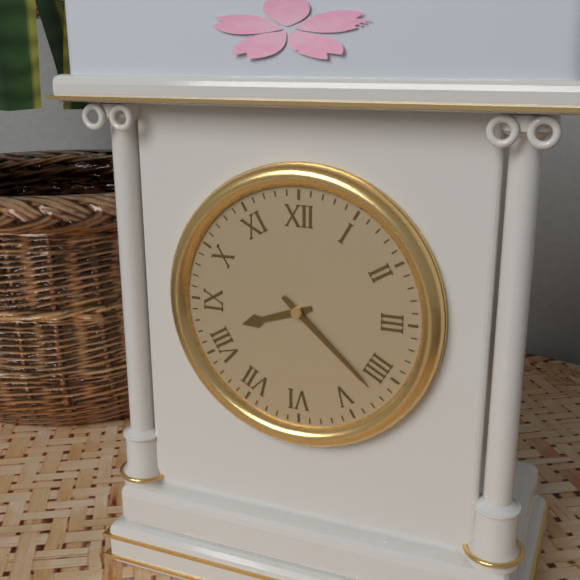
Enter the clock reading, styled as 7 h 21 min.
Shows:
8 h 22 min
